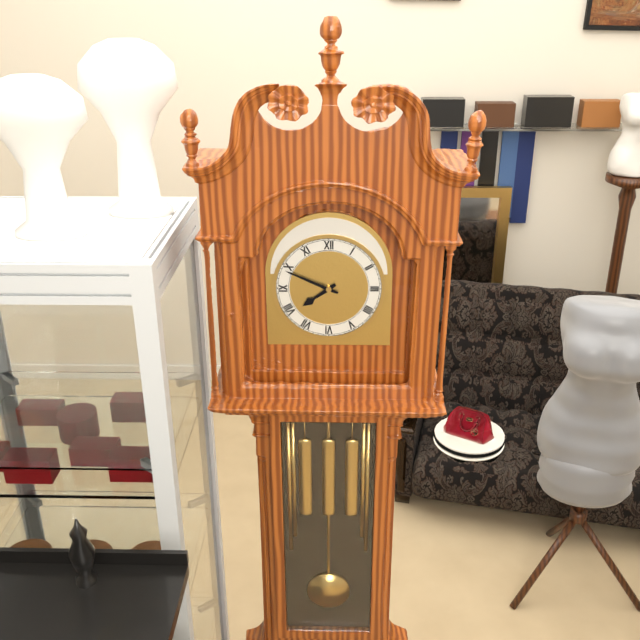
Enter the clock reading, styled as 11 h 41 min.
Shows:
7 h 49 min
